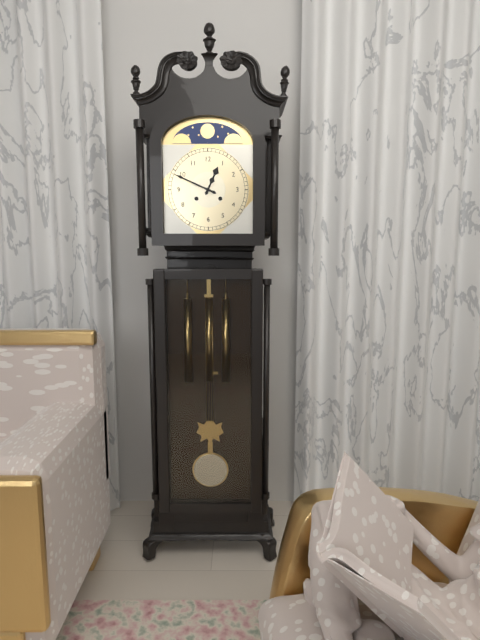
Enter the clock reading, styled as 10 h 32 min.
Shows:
12 h 49 min
